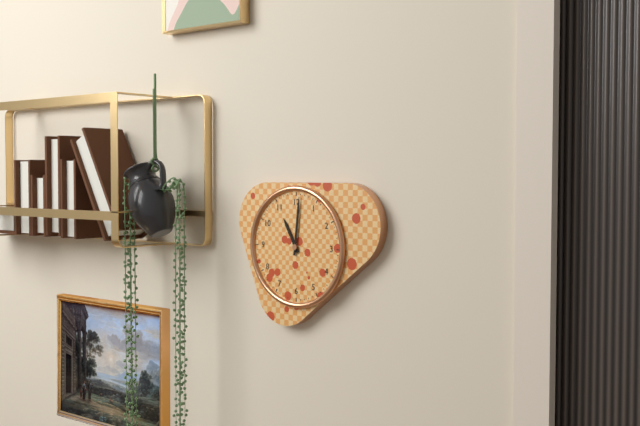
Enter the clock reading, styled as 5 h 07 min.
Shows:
11 h 01 min
